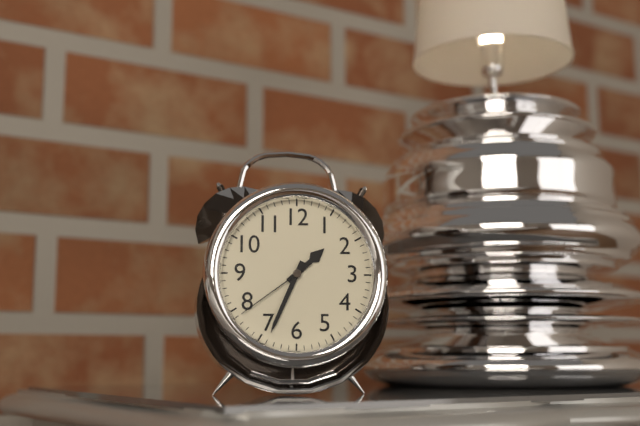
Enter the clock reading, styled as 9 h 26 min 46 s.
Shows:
1 h 34 min 39 s
